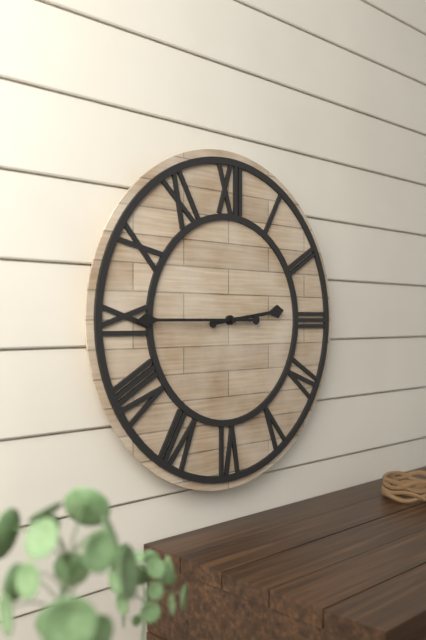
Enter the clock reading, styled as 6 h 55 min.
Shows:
2 h 45 min
